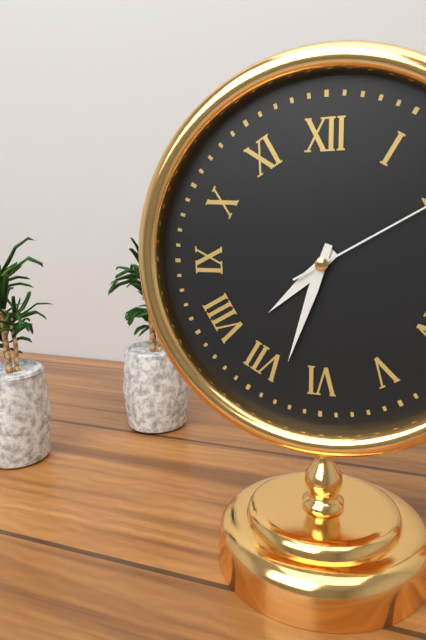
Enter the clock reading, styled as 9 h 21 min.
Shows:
7 h 33 min
